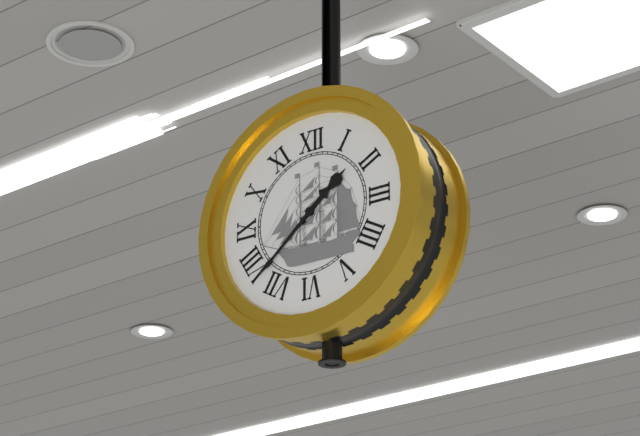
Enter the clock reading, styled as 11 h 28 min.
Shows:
1 h 38 min
